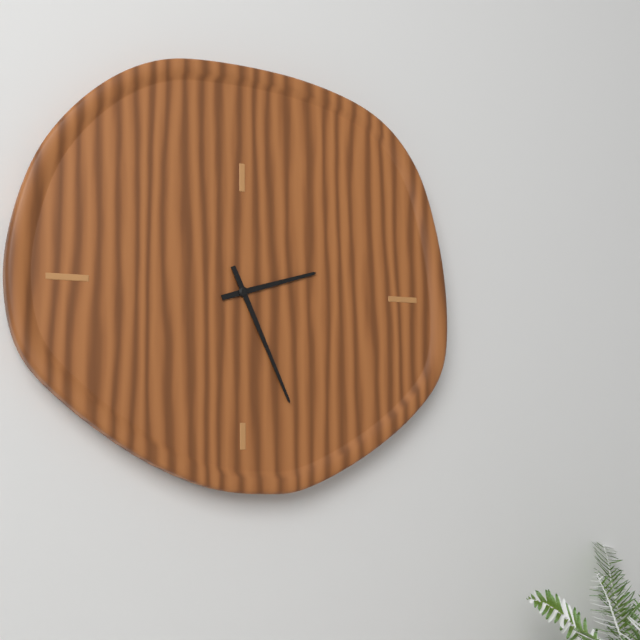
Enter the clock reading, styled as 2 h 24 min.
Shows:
2 h 26 min
